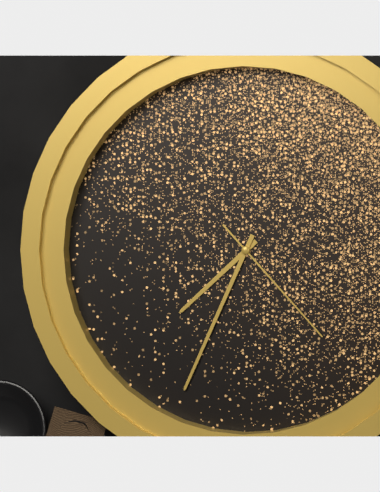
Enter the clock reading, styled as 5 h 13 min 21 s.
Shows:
7 h 34 min 23 s
